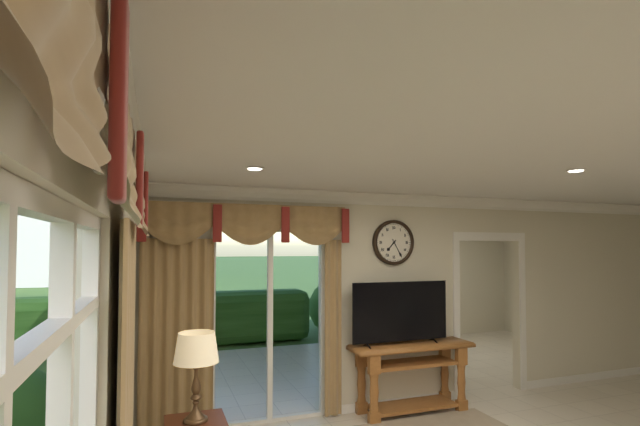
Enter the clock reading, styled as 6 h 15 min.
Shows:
7 h 25 min
